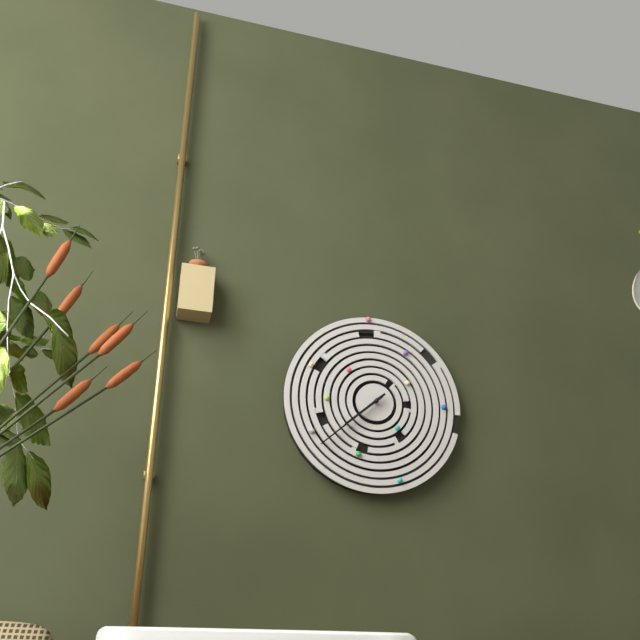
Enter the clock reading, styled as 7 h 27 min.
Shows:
7 h 38 min
